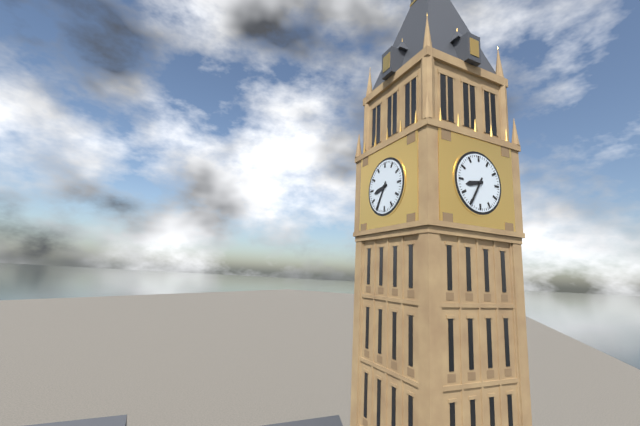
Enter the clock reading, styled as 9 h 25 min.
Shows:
8 h 35 min
